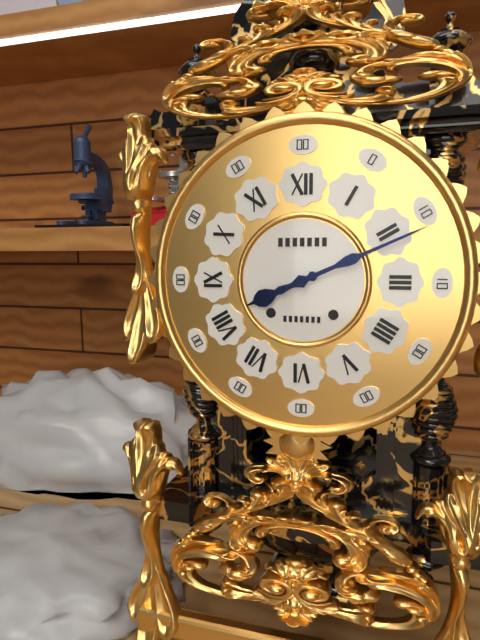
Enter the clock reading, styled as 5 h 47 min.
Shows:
8 h 11 min
